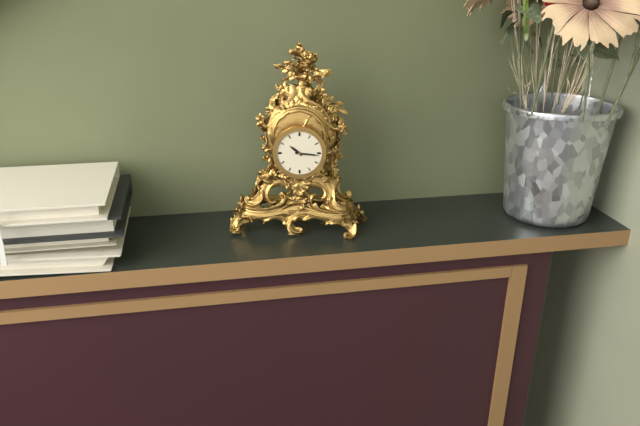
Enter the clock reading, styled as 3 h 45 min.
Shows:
10 h 16 min
